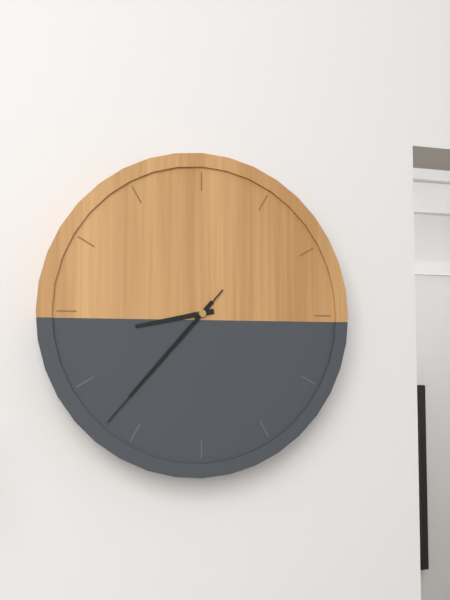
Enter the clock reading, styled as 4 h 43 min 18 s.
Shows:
8 h 37 min 37 s
